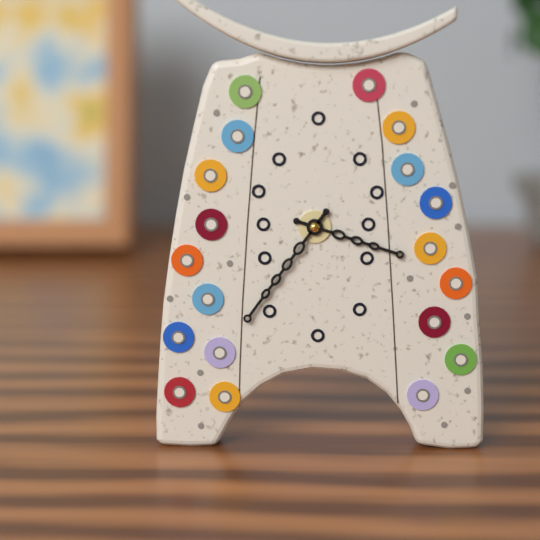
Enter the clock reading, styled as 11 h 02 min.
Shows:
3 h 36 min
